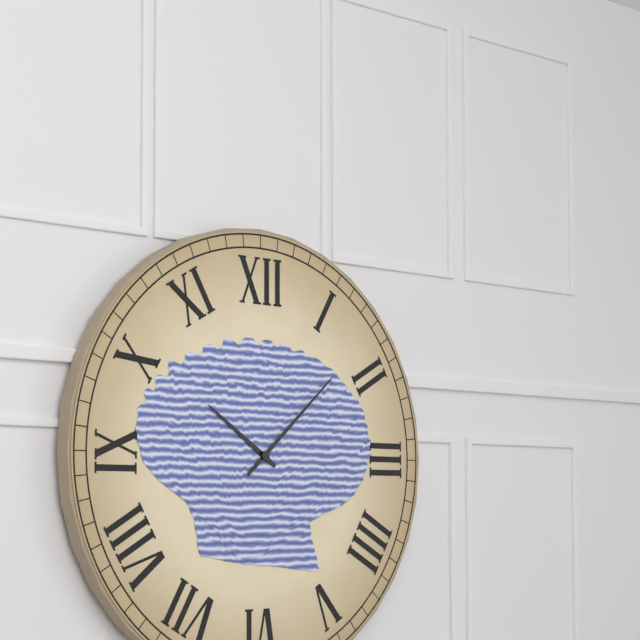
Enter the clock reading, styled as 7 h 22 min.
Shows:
10 h 08 min
